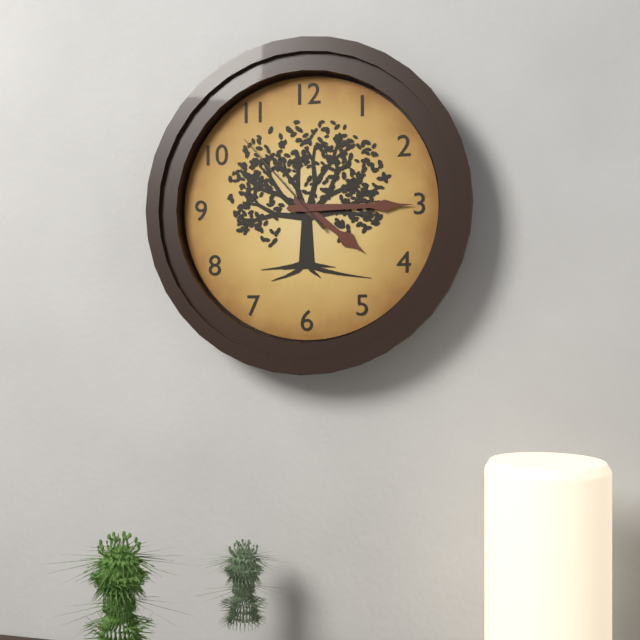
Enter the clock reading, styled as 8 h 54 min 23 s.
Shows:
4 h 15 min 53 s
